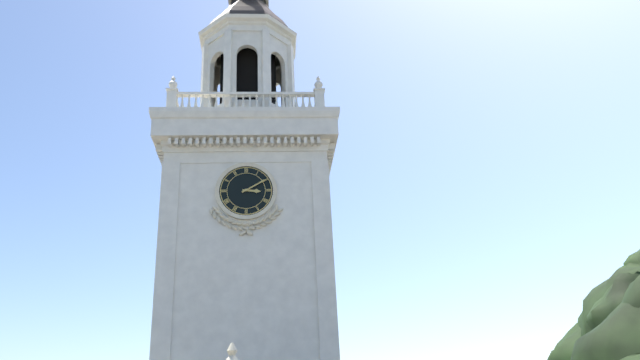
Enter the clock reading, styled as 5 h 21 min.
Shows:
3 h 10 min
